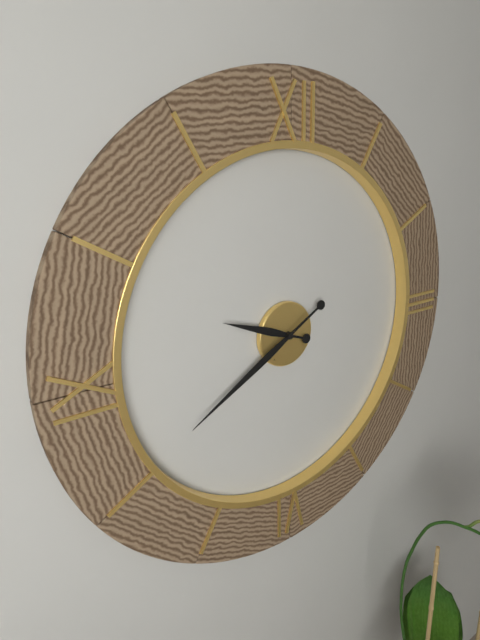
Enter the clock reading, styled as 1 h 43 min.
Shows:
9 h 40 min
